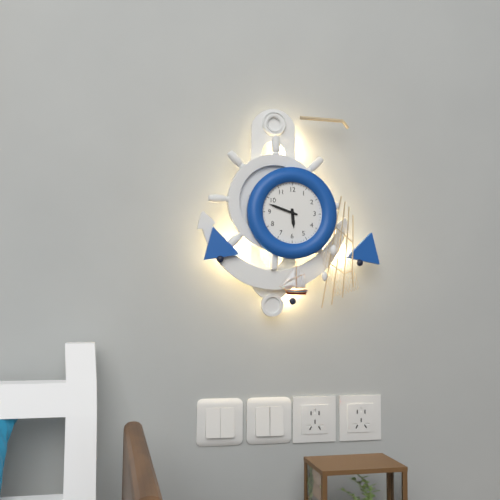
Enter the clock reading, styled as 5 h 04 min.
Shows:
5 h 48 min
